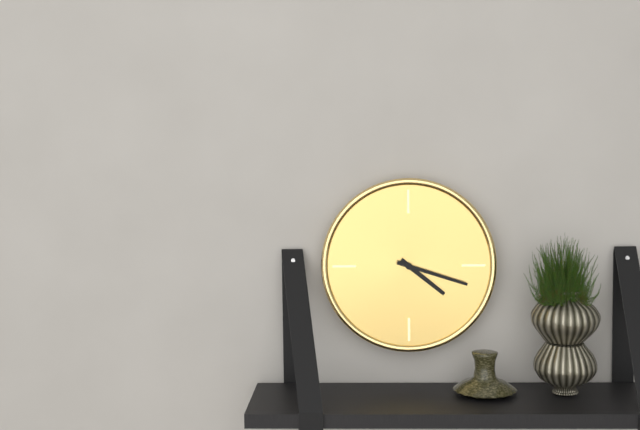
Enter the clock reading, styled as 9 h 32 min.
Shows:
4 h 18 min
